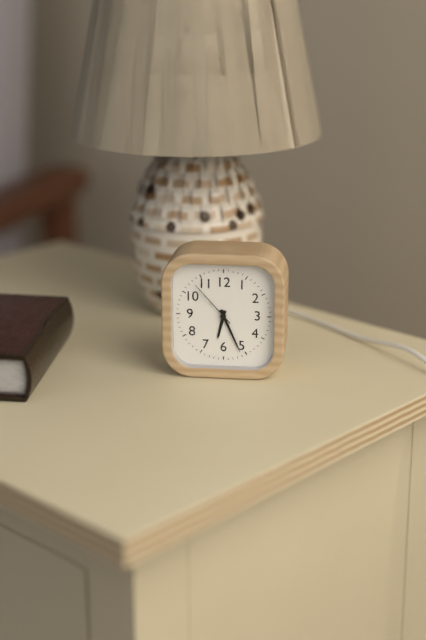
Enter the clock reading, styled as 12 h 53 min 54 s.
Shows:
6 h 26 min 53 s
